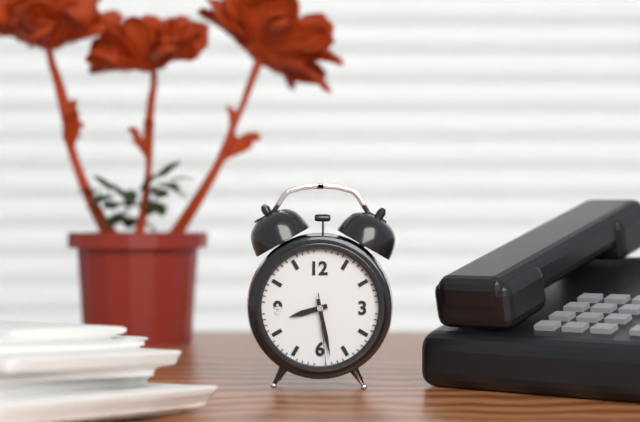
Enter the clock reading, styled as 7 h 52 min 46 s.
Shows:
8 h 28 min 29 s
